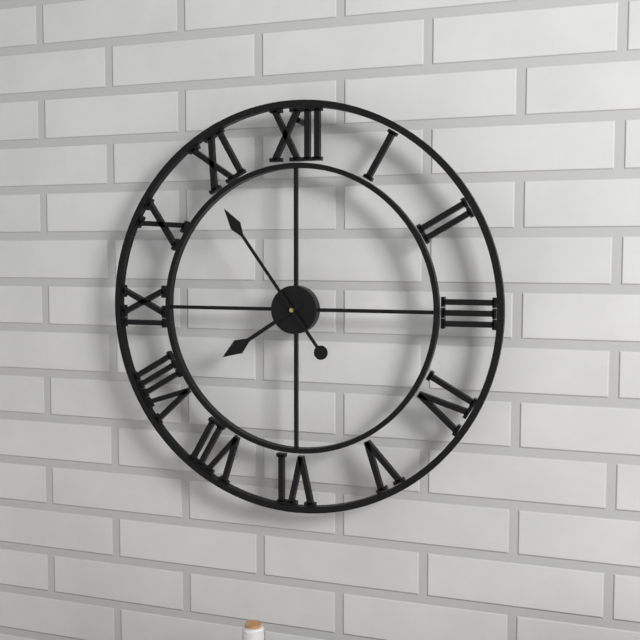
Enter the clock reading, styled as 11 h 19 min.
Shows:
7 h 54 min
